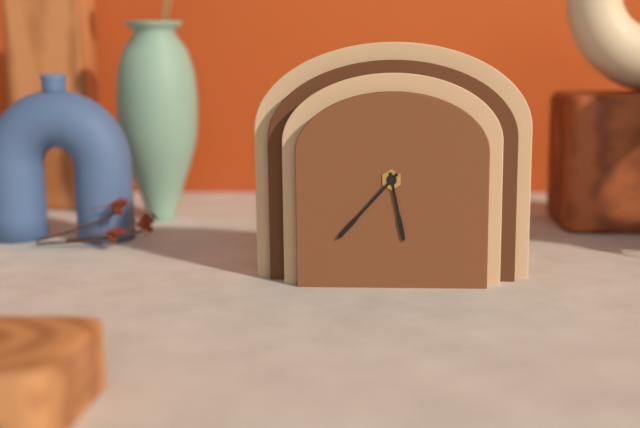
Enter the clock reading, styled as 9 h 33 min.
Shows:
5 h 37 min
